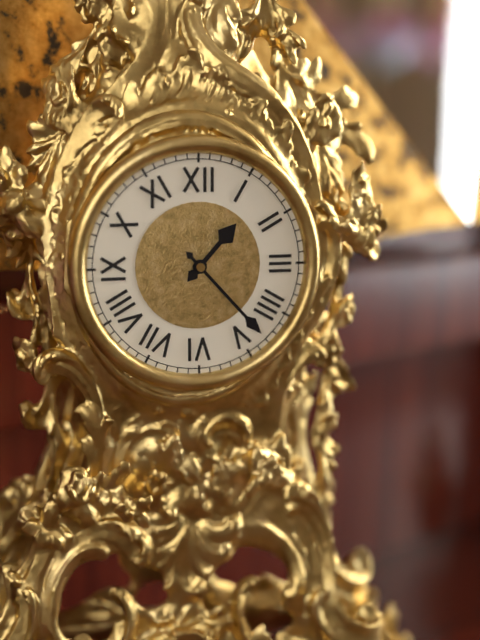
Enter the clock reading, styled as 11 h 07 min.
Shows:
1 h 23 min
